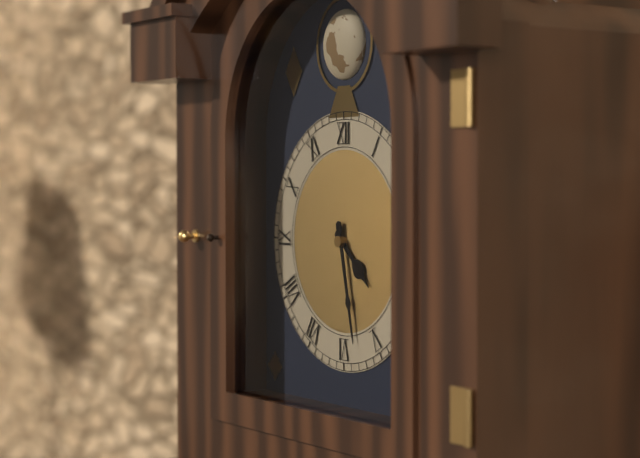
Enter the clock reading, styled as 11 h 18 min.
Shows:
4 h 28 min
